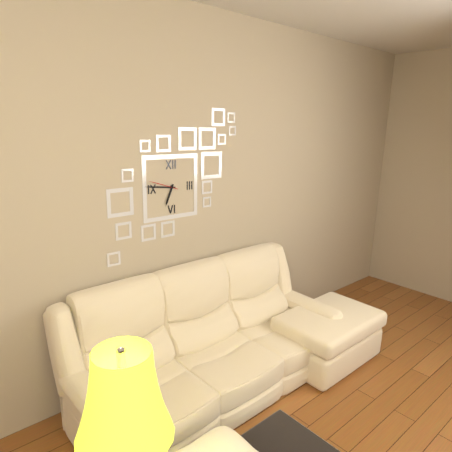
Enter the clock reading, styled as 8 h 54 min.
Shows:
6 h 46 min
